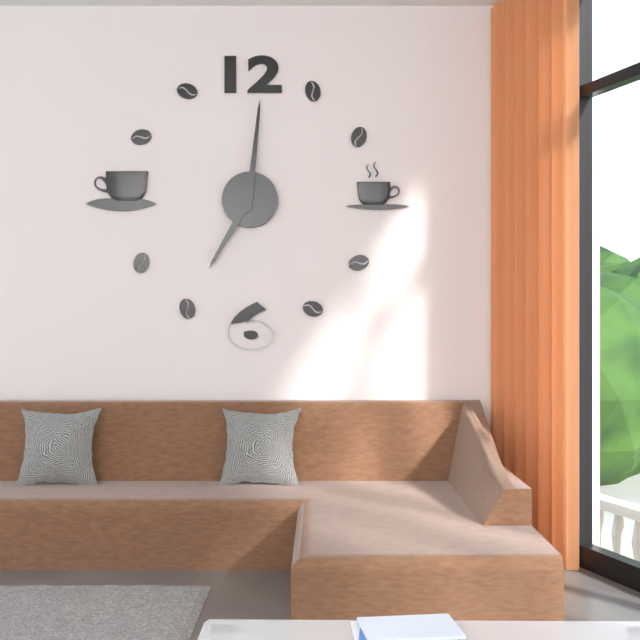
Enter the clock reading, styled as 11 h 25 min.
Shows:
7 h 01 min
